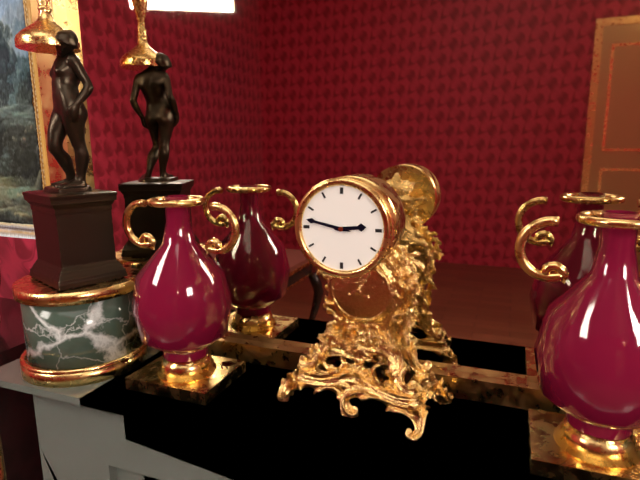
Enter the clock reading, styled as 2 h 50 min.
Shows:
2 h 47 min
